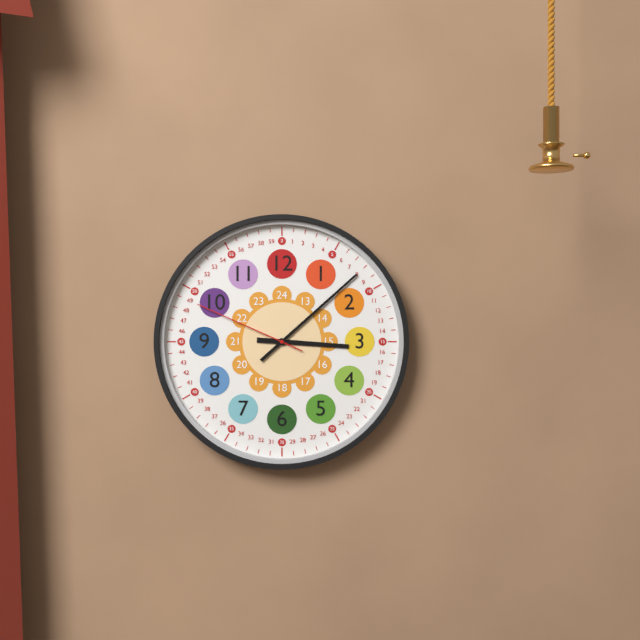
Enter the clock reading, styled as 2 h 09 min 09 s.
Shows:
3 h 08 min 49 s
